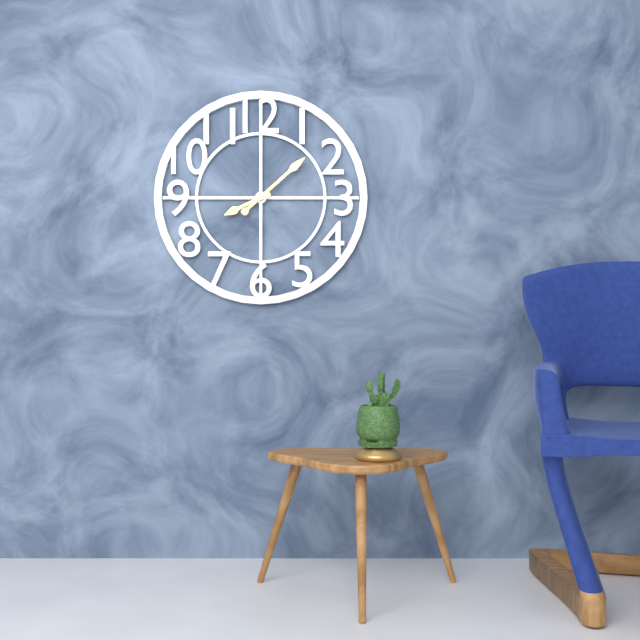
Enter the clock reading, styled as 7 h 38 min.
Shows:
8 h 08 min
